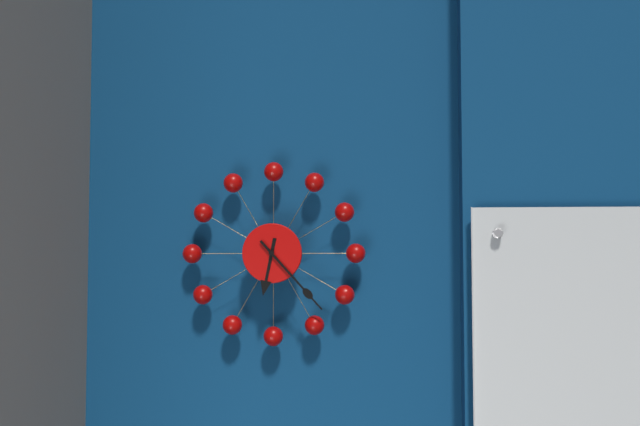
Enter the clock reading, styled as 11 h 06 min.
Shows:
6 h 23 min
